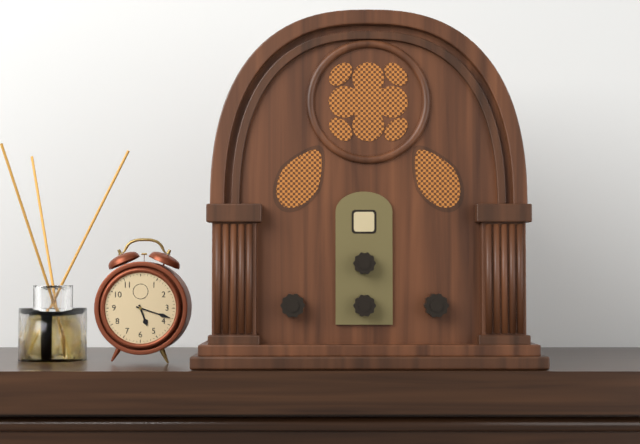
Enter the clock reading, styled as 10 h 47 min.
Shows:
5 h 18 min
